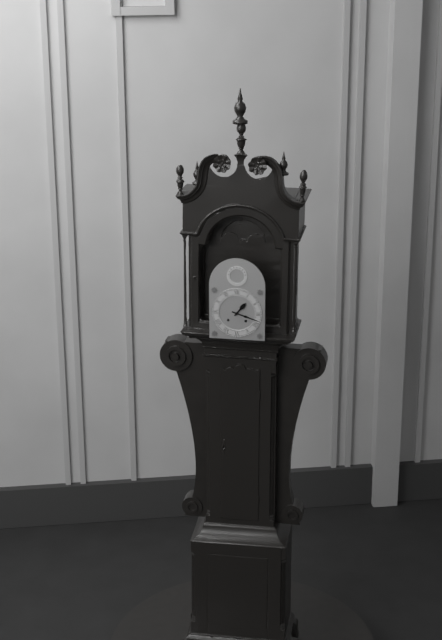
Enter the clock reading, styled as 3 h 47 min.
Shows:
1 h 18 min
